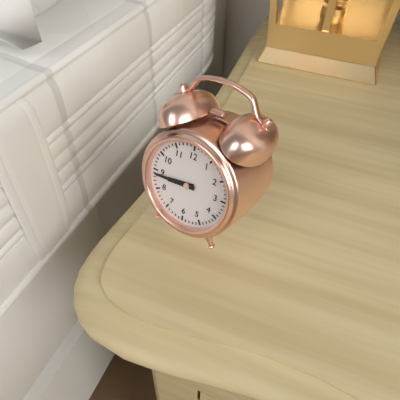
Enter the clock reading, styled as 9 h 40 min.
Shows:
8 h 44 min
